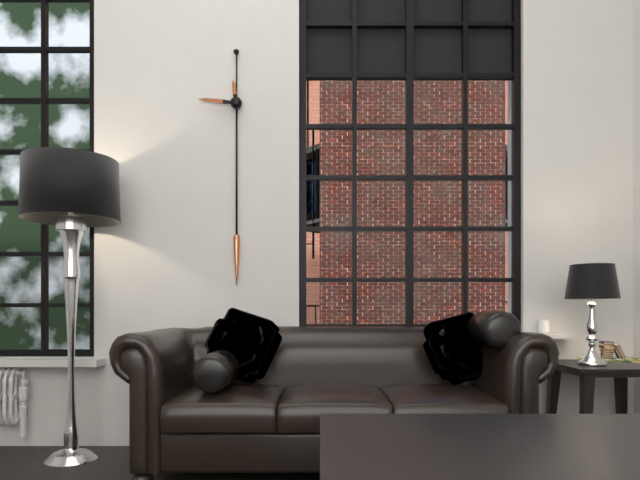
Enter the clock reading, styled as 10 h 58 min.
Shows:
11 h 46 min
